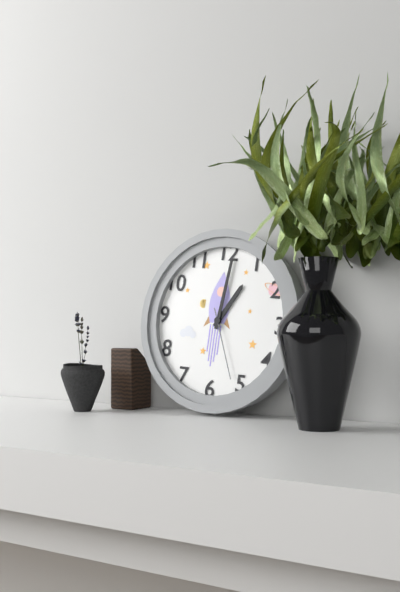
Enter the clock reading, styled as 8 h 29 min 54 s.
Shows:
1 h 01 min 26 s
